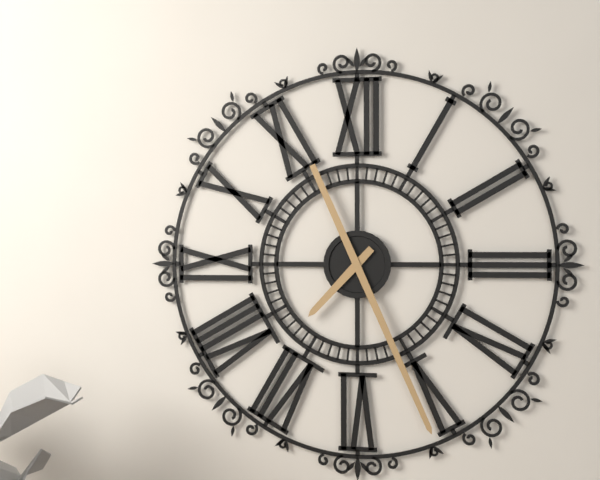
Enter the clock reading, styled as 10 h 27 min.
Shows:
7 h 26 min
